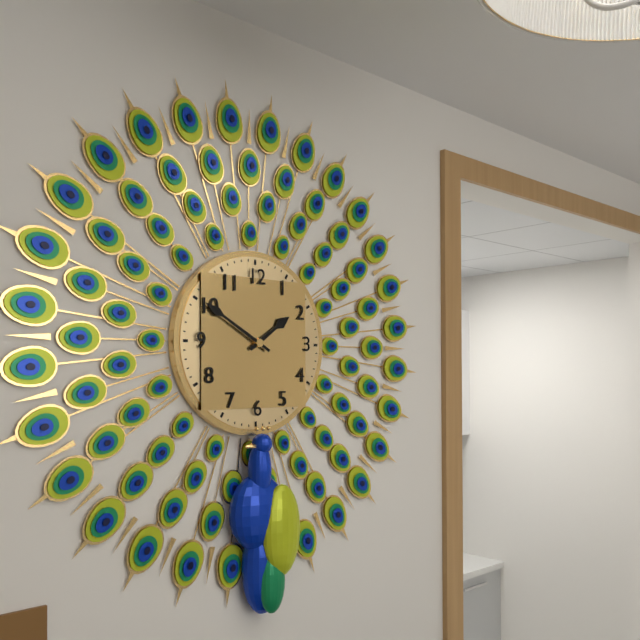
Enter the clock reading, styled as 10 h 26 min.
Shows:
1 h 50 min
